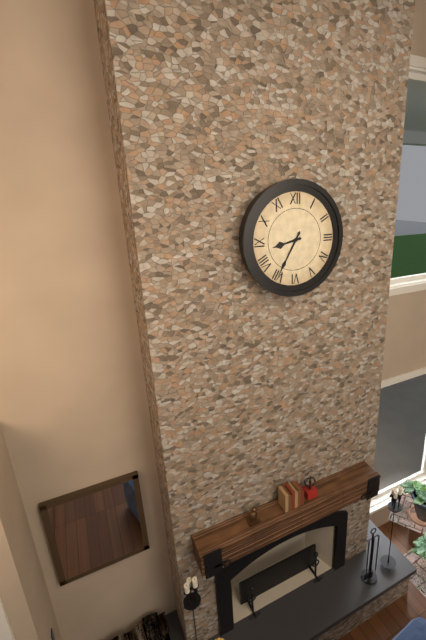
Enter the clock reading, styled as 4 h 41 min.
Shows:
8 h 35 min
